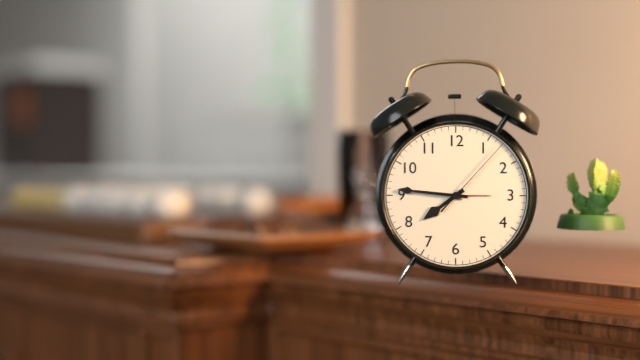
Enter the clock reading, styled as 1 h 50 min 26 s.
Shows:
7 h 46 min 07 s
